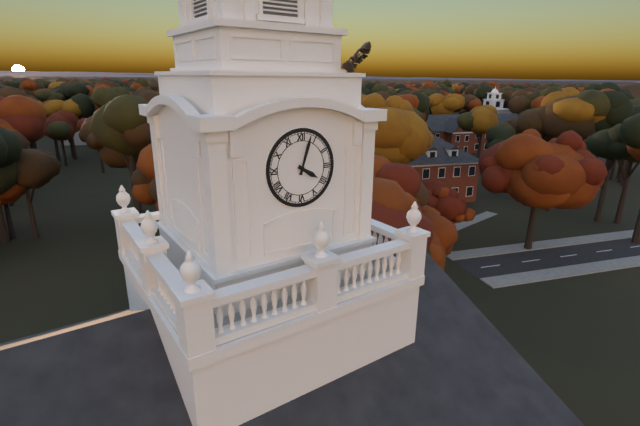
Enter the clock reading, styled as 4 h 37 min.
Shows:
4 h 03 min
